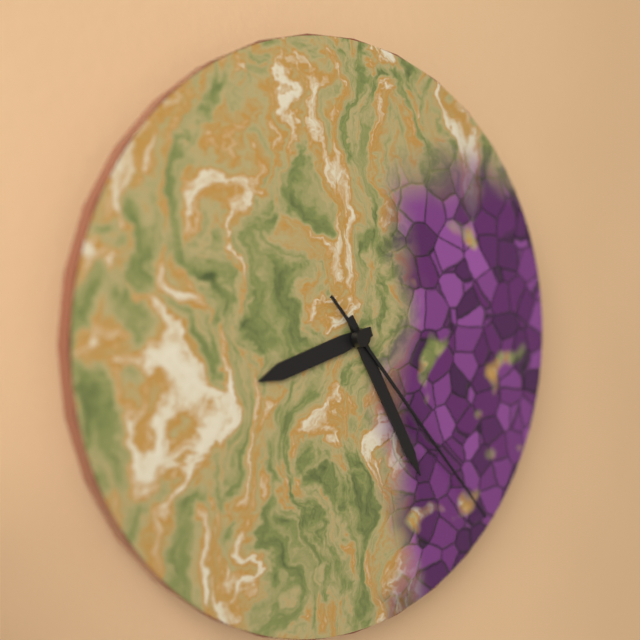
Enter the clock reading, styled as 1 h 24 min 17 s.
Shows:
8 h 25 min 23 s
